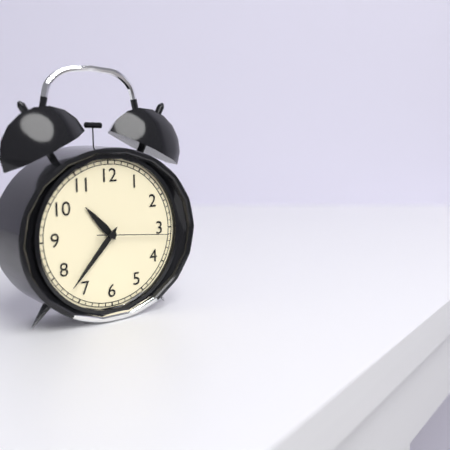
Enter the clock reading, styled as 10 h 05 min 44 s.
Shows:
10 h 37 min 16 s
